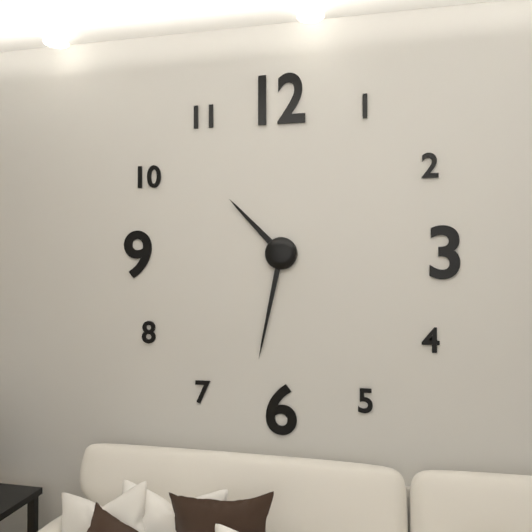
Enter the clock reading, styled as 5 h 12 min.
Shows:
10 h 32 min
